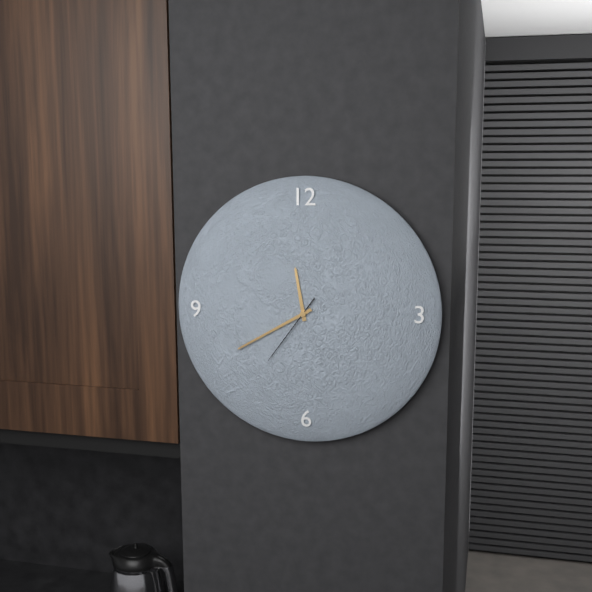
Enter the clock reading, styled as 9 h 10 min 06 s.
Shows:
11 h 40 min 36 s
